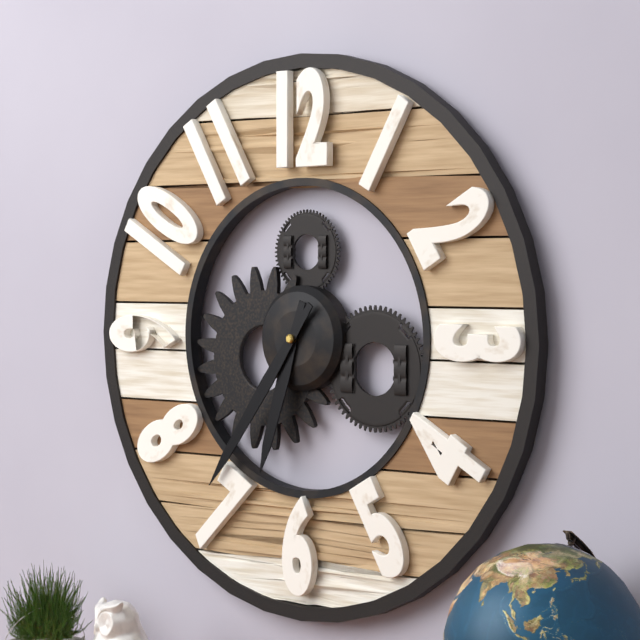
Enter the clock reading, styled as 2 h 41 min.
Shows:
6 h 36 min
